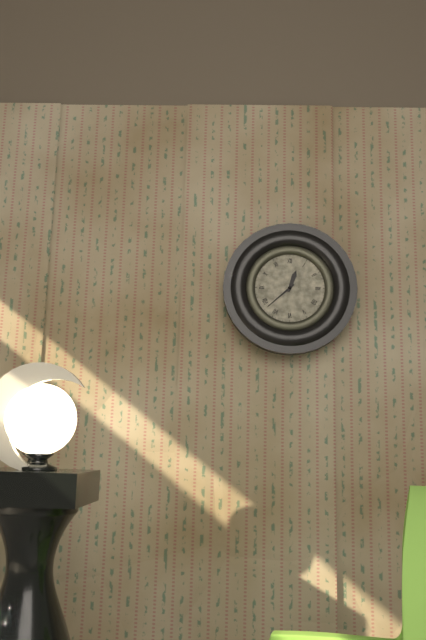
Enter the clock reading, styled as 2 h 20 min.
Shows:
12 h 38 min
